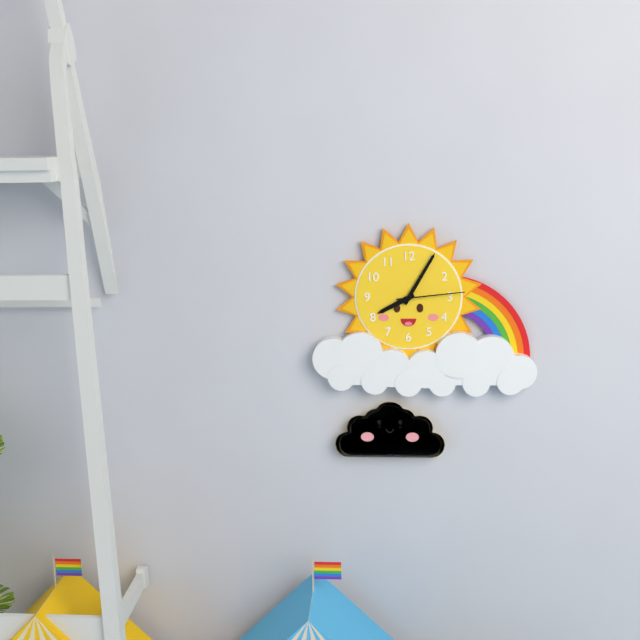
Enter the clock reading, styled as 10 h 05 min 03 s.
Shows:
8 h 05 min 14 s
